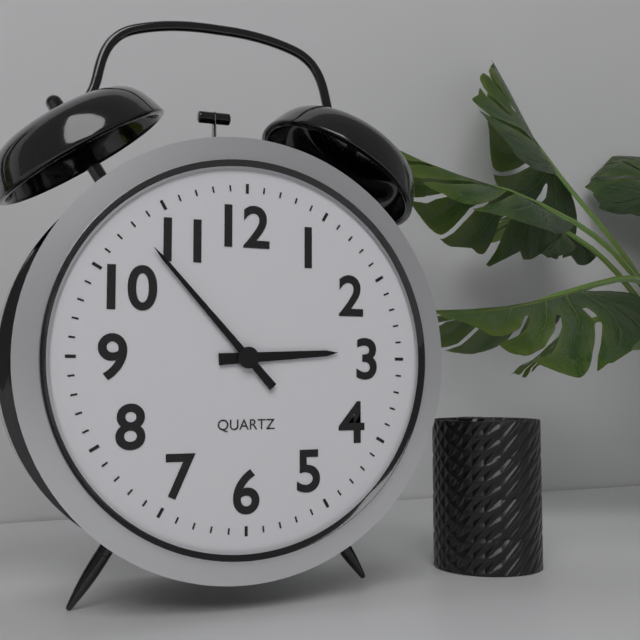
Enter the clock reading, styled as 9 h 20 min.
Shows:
2 h 53 min
